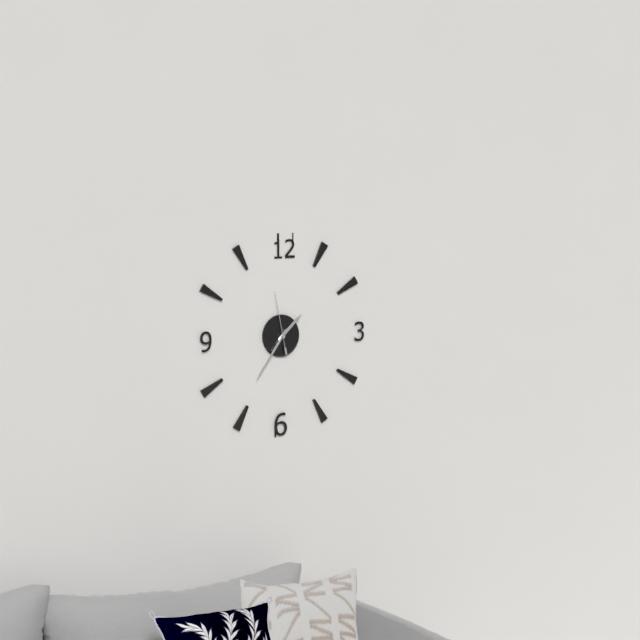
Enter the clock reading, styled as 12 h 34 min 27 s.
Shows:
1 h 36 min 58 s
